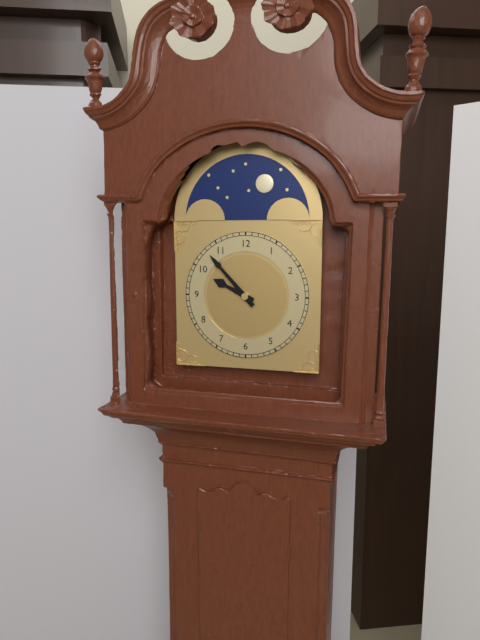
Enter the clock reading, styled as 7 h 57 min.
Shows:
9 h 53 min
